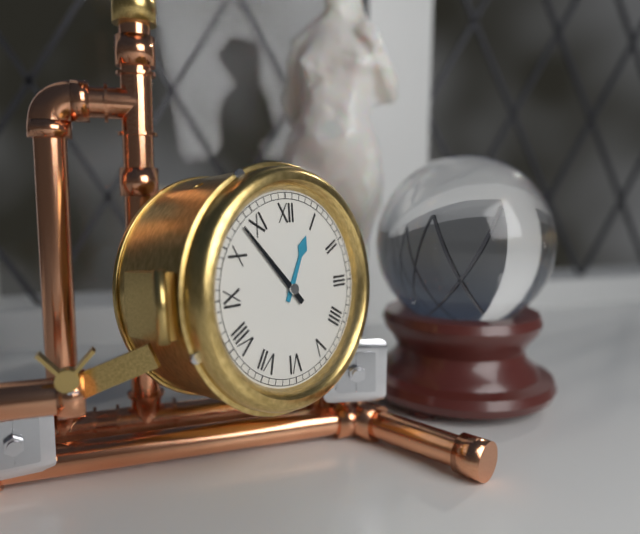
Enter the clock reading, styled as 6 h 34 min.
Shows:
12 h 53 min
